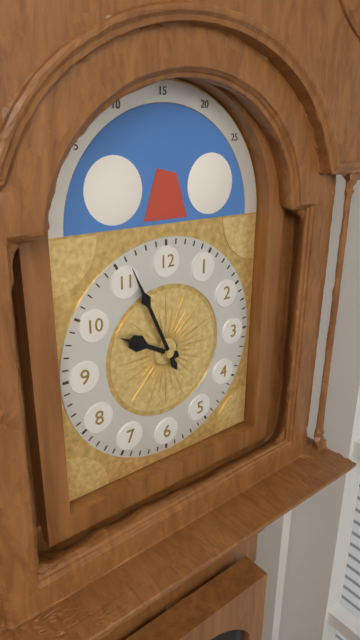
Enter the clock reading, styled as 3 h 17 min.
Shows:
9 h 56 min
